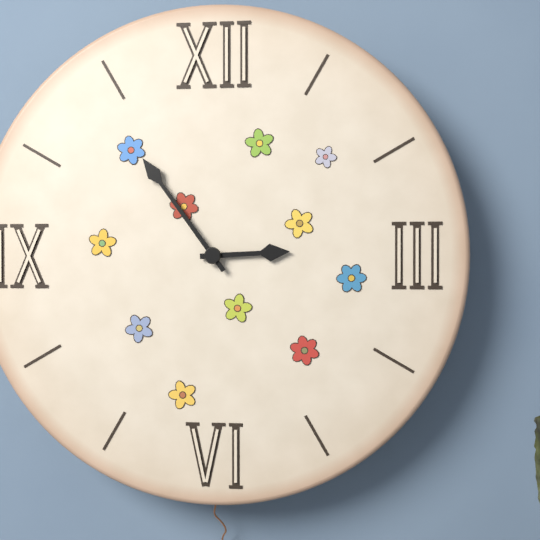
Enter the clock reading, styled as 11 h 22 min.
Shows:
2 h 54 min
